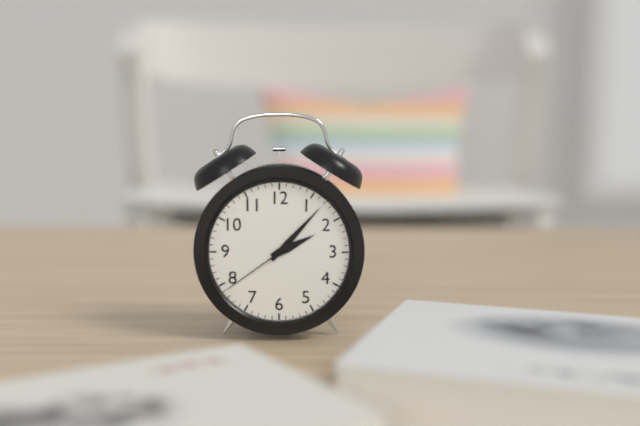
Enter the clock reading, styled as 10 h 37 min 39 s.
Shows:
2 h 07 min 39 s
